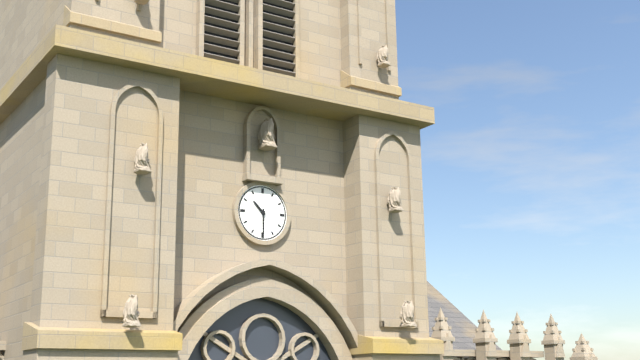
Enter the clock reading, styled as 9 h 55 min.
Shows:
10 h 30 min
